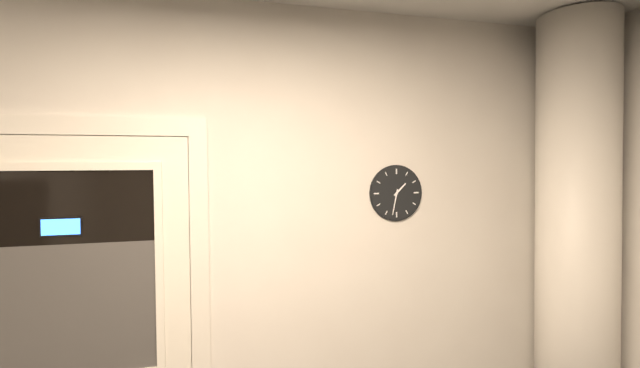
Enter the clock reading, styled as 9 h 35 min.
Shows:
1 h 32 min
